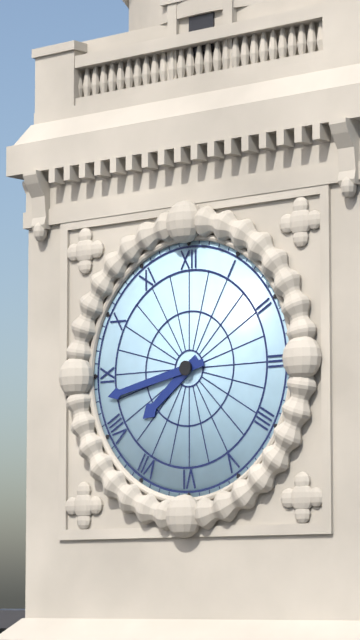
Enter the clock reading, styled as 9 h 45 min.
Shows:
7 h 43 min
